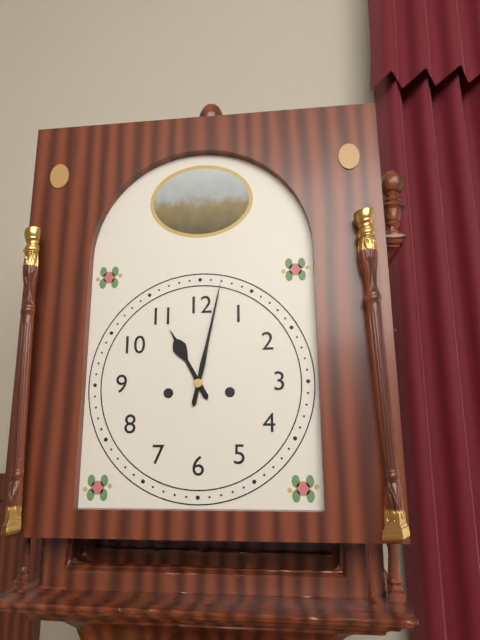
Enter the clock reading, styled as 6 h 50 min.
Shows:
11 h 02 min
